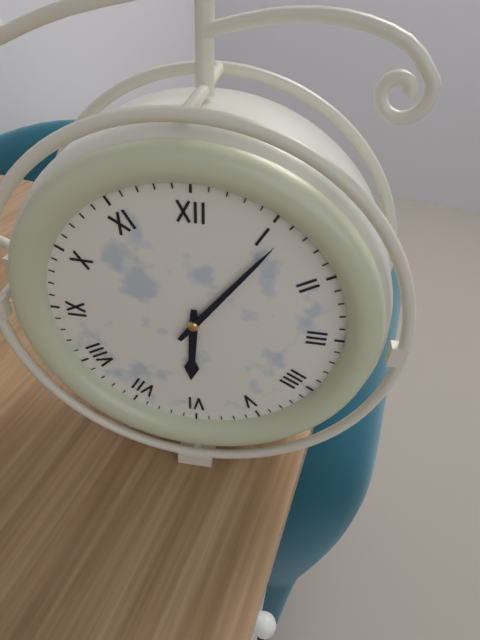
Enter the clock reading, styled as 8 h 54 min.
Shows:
6 h 06 min
